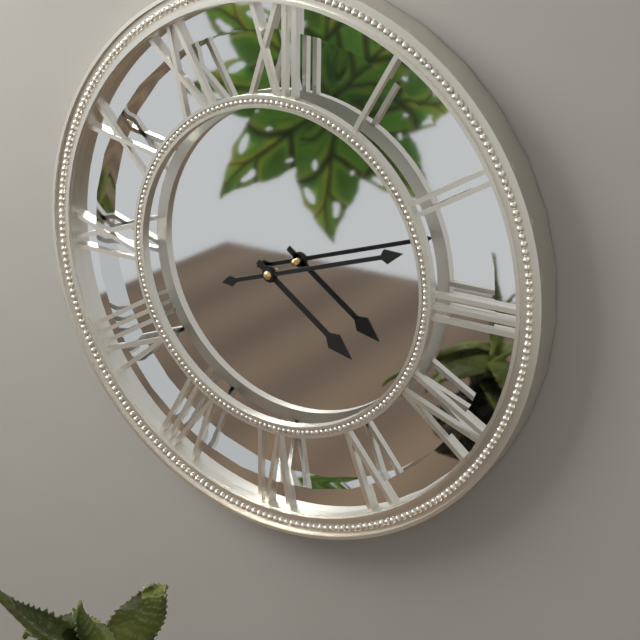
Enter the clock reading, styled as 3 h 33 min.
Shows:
4 h 12 min
